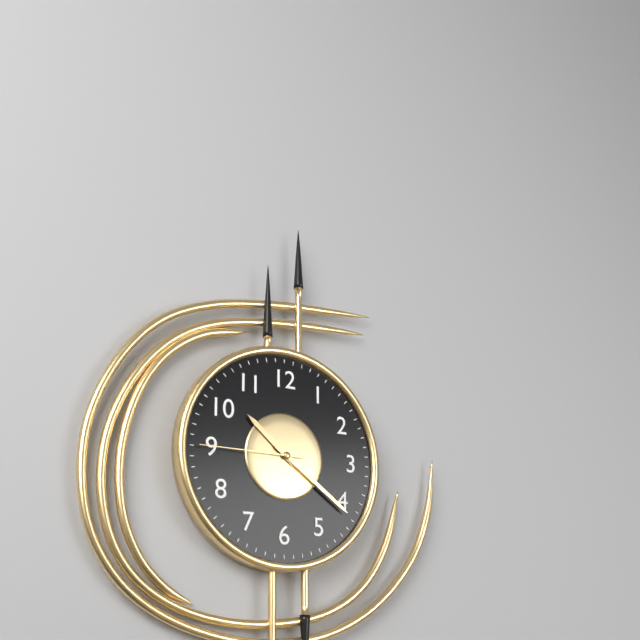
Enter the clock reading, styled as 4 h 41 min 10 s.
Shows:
10 h 21 min 45 s
